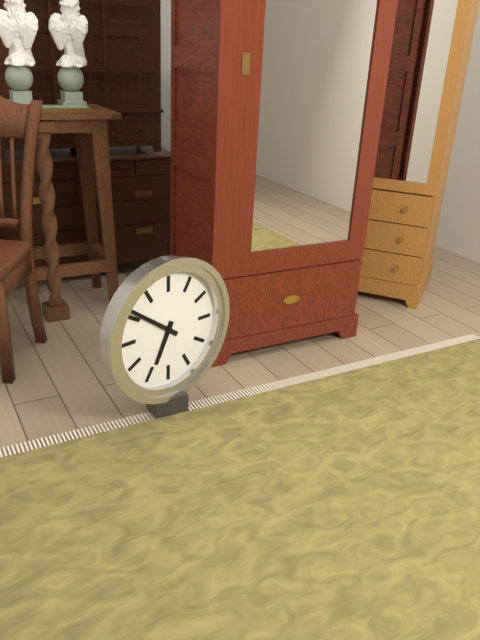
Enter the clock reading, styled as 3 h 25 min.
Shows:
6 h 51 min
